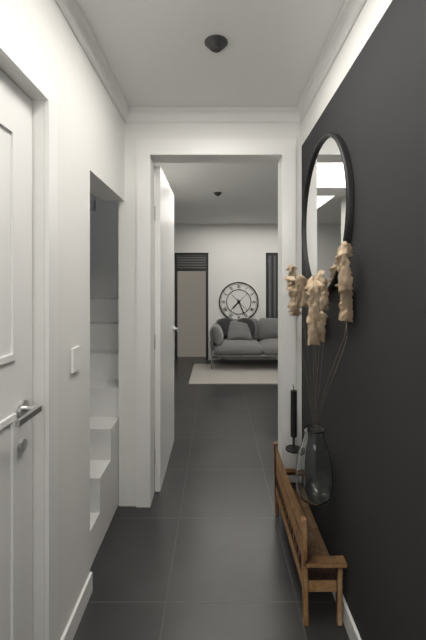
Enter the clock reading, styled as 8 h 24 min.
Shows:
7 h 26 min
